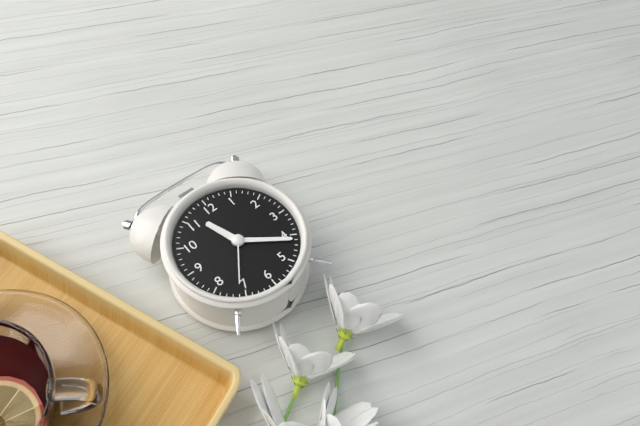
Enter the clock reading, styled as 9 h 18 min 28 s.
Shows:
11 h 21 min 36 s
